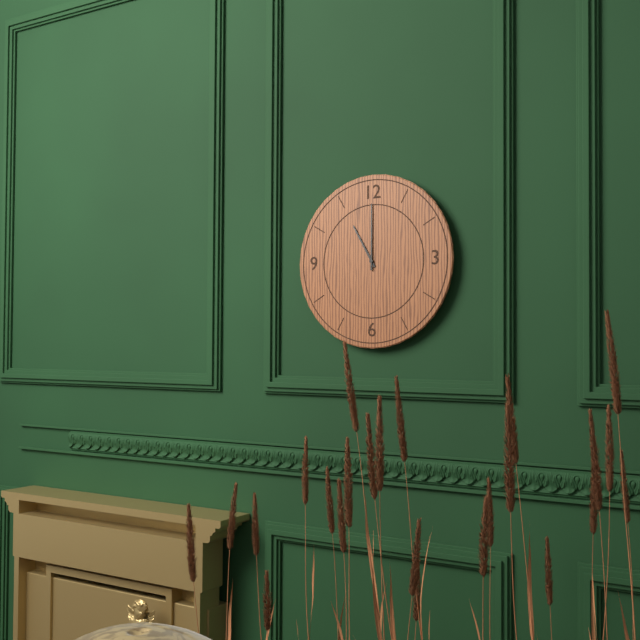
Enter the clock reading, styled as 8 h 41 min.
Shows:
11 h 00 min
